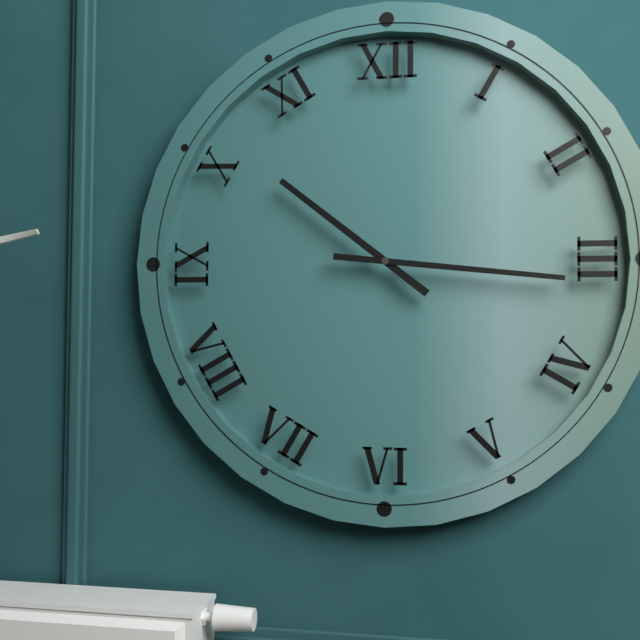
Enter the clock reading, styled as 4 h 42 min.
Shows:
10 h 16 min
